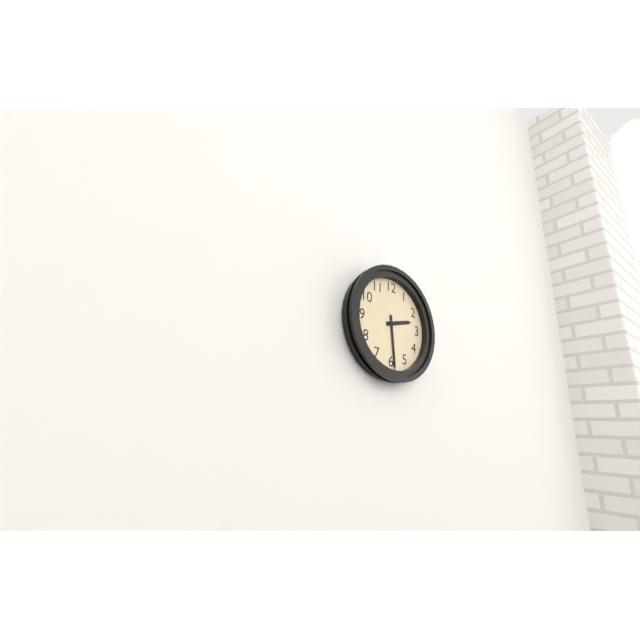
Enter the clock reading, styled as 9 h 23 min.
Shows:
2 h 29 min
